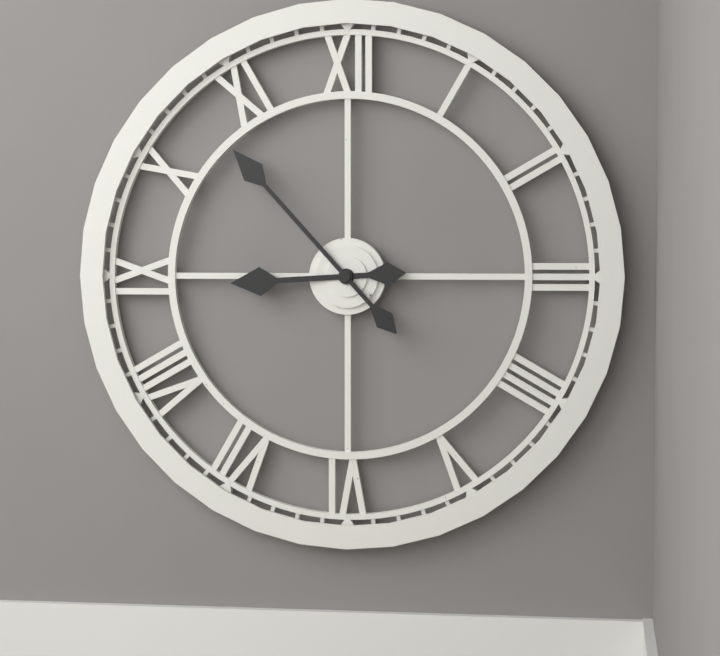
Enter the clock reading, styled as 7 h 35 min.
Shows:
8 h 53 min
